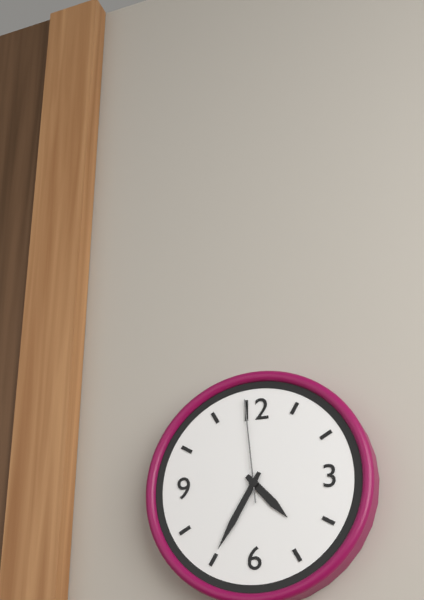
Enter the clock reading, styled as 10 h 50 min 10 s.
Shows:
4 h 35 min 59 s
